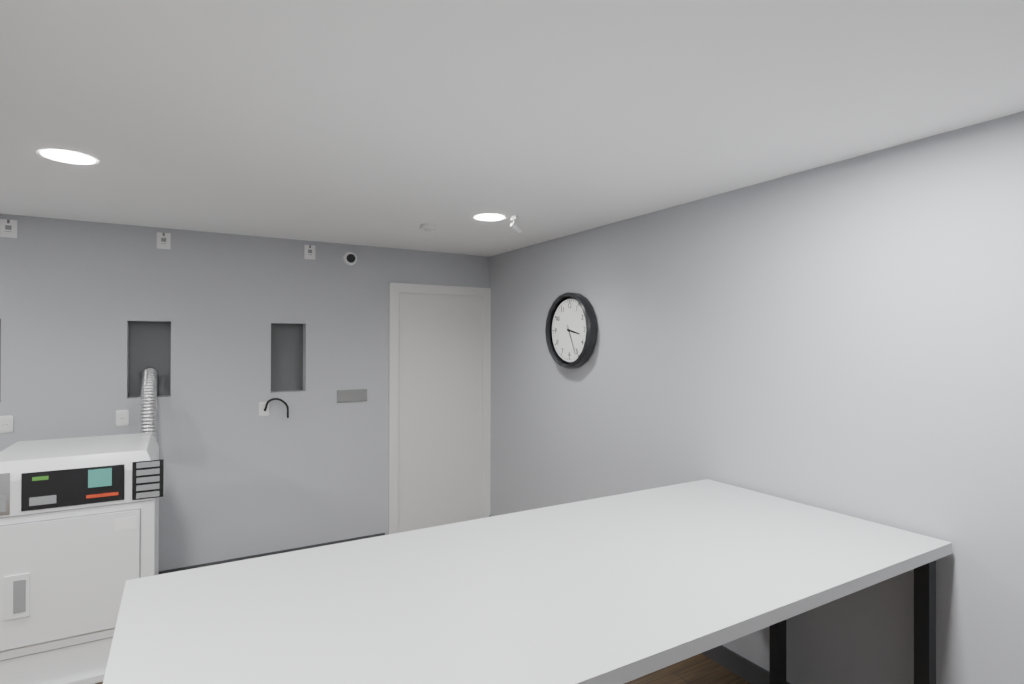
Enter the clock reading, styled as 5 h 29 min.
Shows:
3 h 26 min
